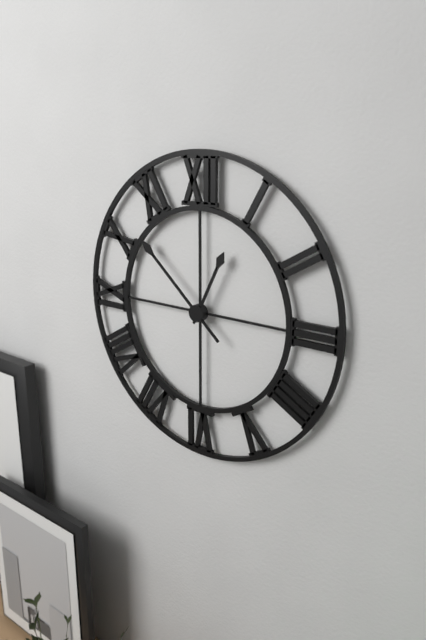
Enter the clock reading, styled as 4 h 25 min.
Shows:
12 h 52 min
